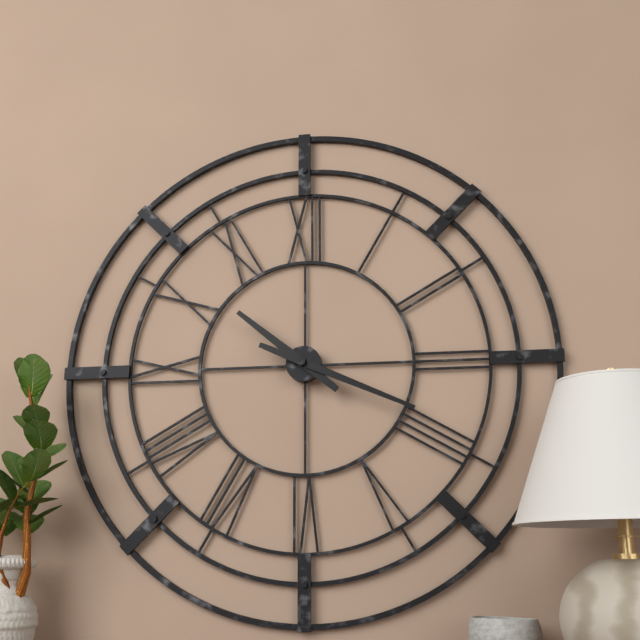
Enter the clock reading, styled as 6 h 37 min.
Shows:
10 h 19 min
